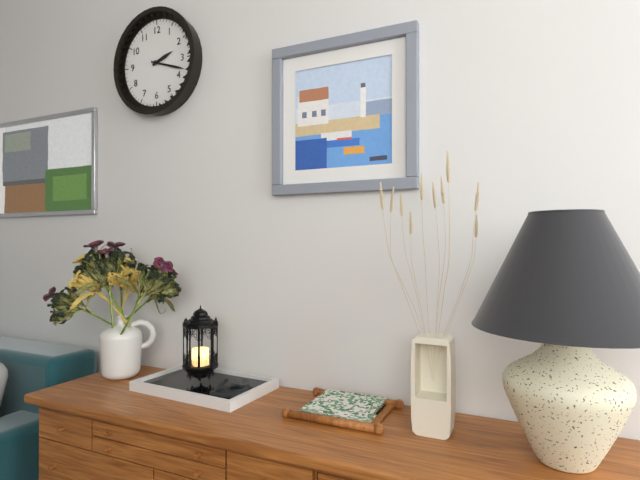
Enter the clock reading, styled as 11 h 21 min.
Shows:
2 h 18 min
